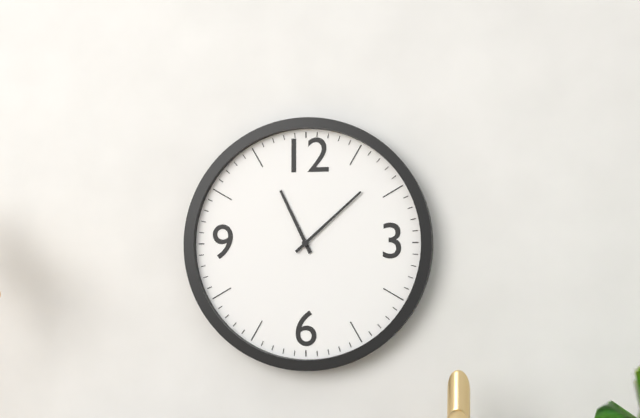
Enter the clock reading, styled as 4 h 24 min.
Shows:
11 h 08 min
